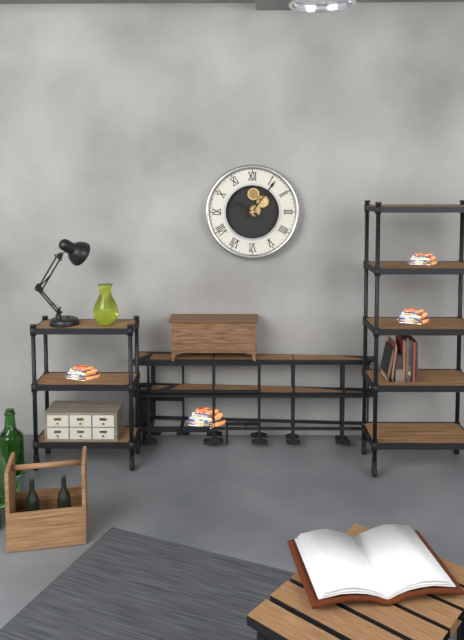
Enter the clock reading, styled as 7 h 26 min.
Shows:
10 h 06 min
